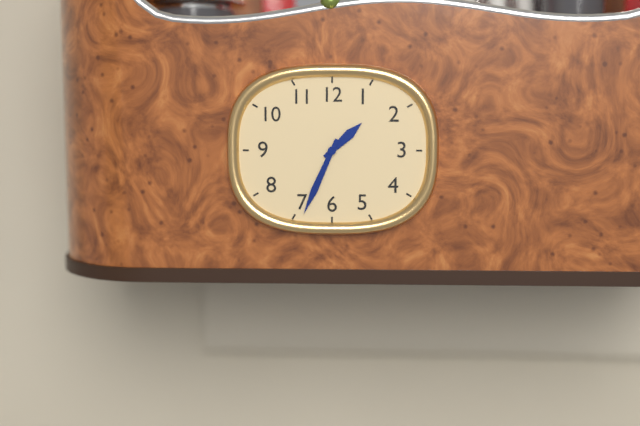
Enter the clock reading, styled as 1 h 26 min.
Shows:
1 h 34 min
